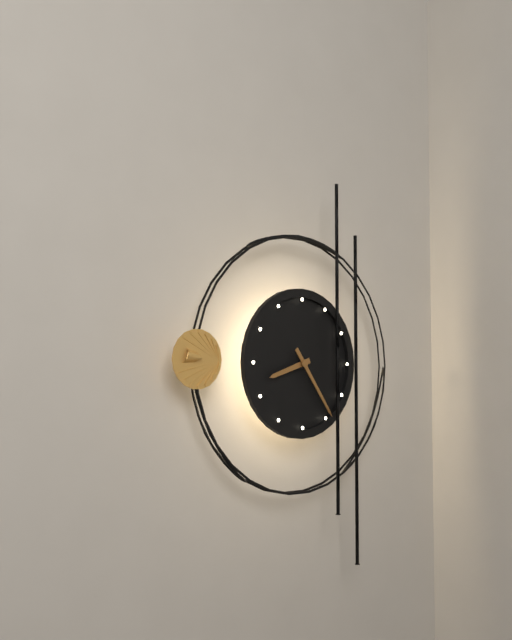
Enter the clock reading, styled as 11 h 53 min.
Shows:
8 h 24 min
